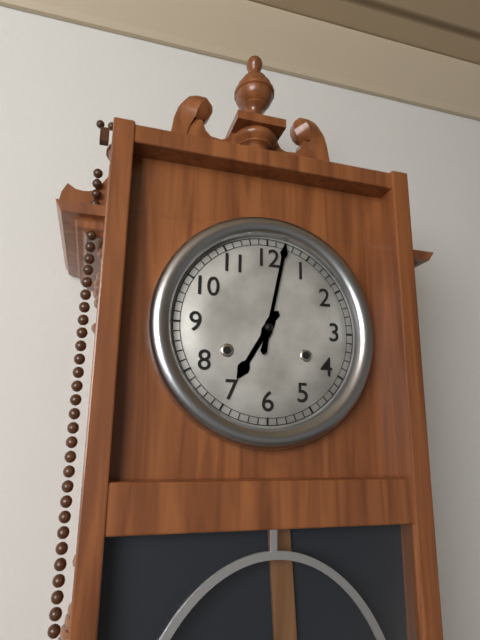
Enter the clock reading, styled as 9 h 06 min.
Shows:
7 h 02 min
